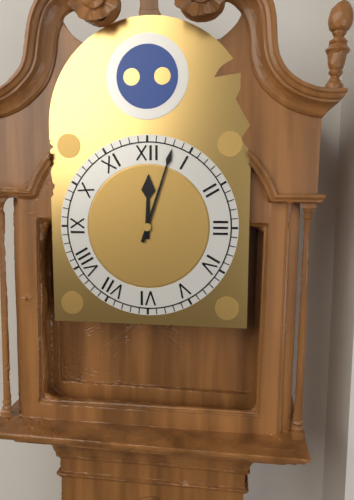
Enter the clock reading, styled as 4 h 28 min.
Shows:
12 h 03 min
